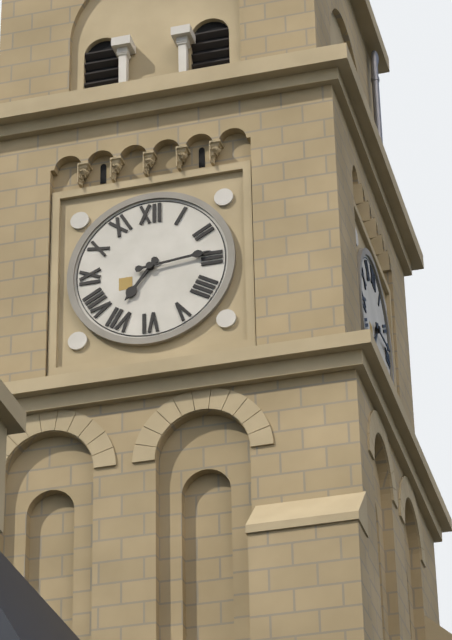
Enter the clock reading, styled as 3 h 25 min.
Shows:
7 h 14 min
